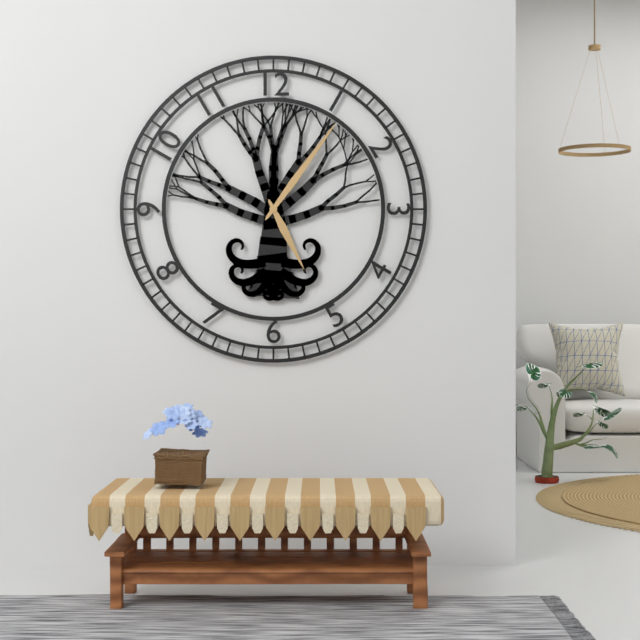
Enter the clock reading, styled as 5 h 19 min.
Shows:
5 h 06 min
